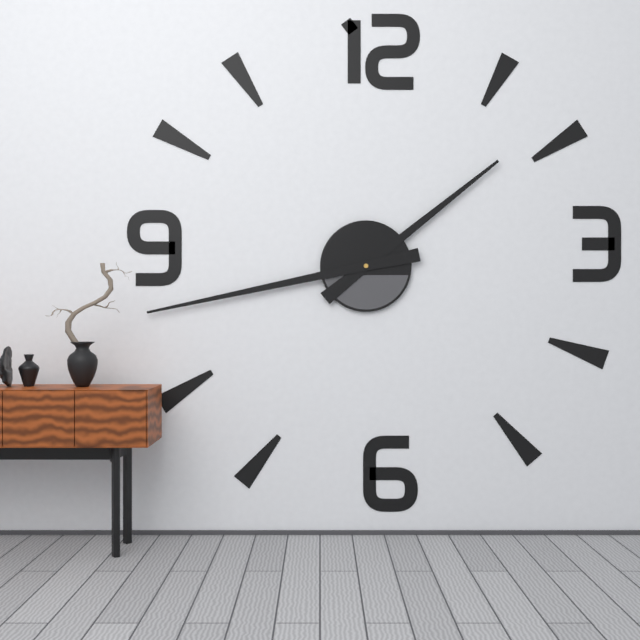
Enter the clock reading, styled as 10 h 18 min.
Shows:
1 h 43 min
